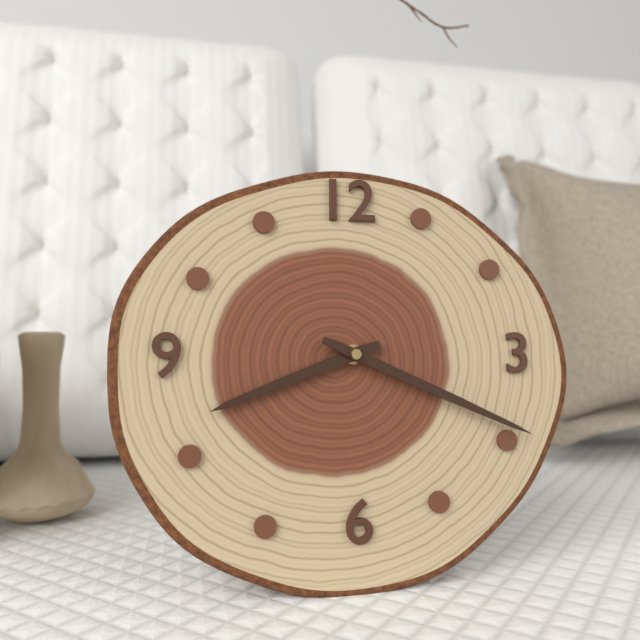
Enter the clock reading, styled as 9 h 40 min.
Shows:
8 h 19 min
